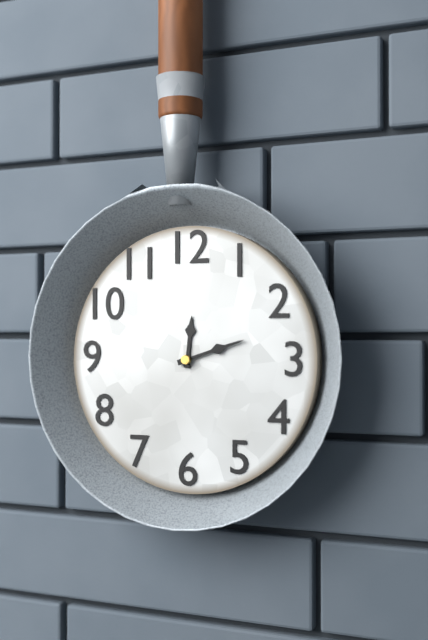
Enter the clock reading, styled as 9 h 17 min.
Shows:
12 h 12 min
